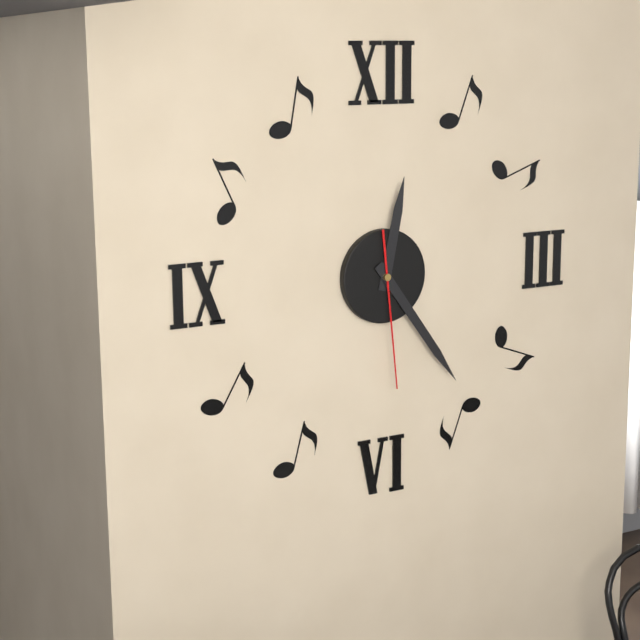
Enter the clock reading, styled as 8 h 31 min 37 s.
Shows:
12 h 24 min 29 s
